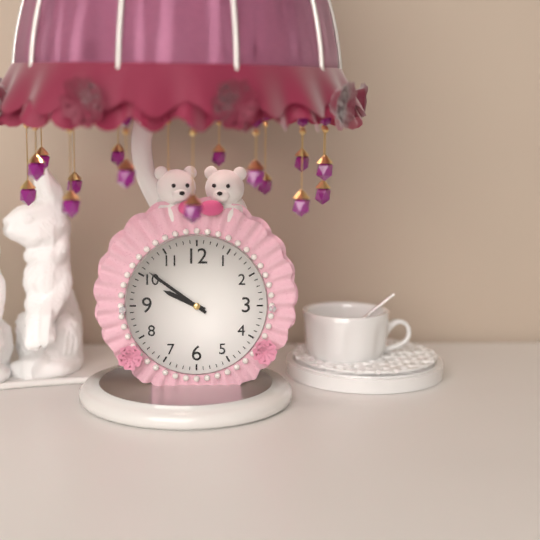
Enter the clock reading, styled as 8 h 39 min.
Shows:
9 h 51 min
